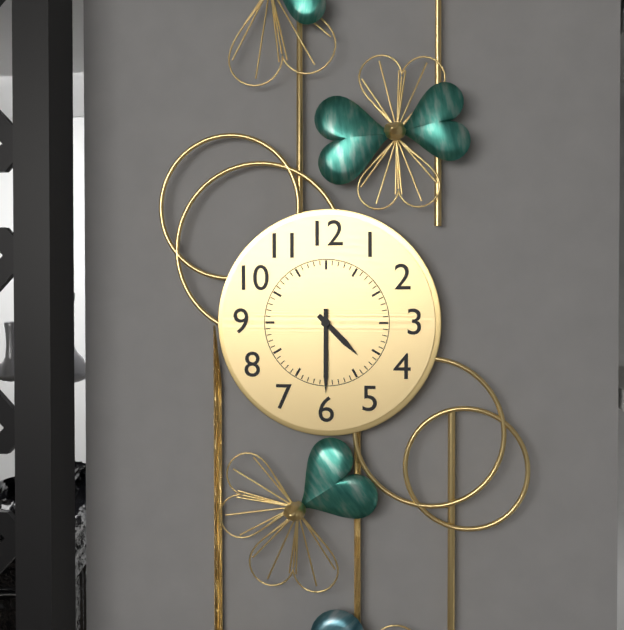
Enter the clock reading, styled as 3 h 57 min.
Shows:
4 h 30 min
